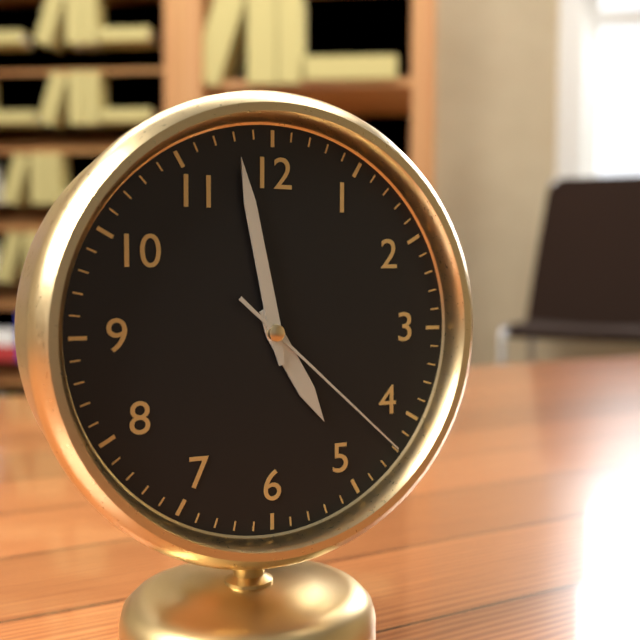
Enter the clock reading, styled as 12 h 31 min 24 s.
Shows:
4 h 58 min 22 s
